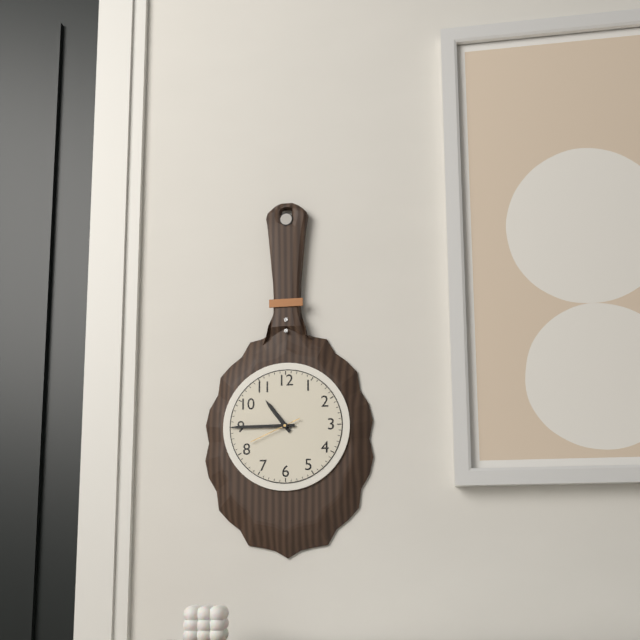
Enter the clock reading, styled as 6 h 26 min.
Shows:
10 h 45 min
